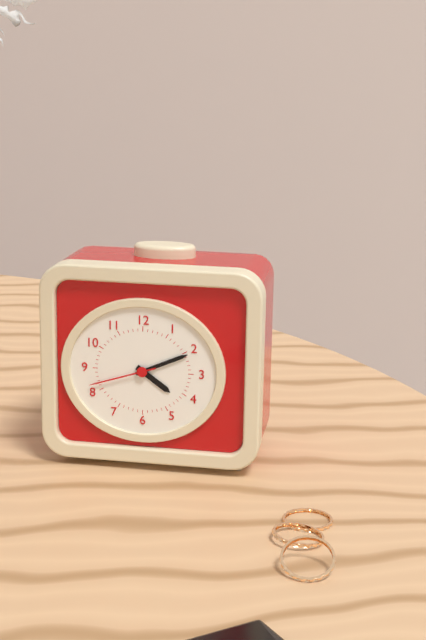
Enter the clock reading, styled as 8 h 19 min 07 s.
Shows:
4 h 11 min 42 s
